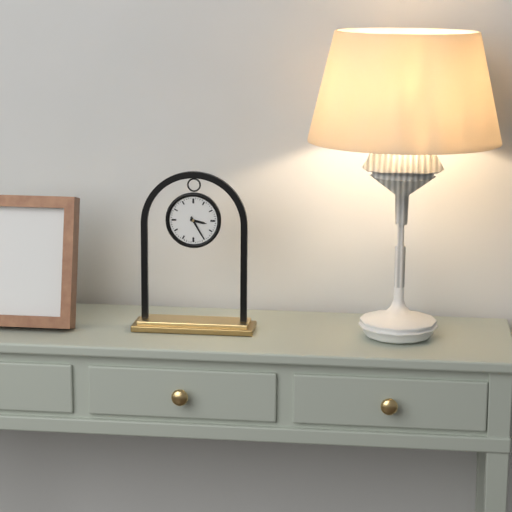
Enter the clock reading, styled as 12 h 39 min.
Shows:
3 h 25 min
